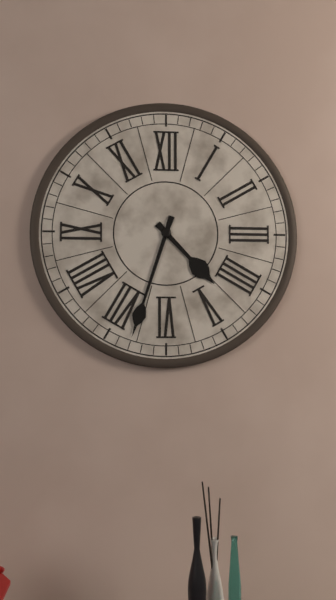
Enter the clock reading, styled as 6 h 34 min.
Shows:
4 h 33 min
